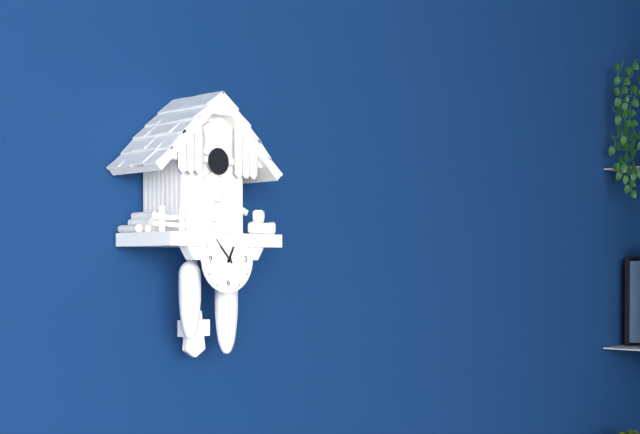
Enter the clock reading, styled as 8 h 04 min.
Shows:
12 h 53 min
